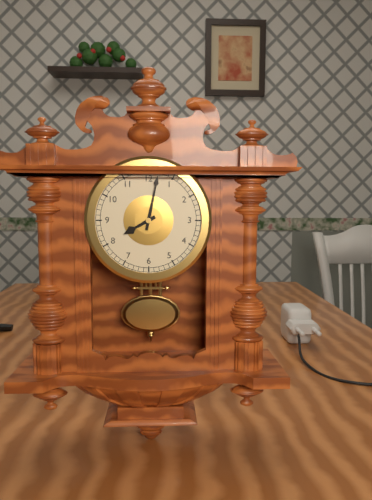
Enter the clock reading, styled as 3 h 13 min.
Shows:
8 h 02 min
